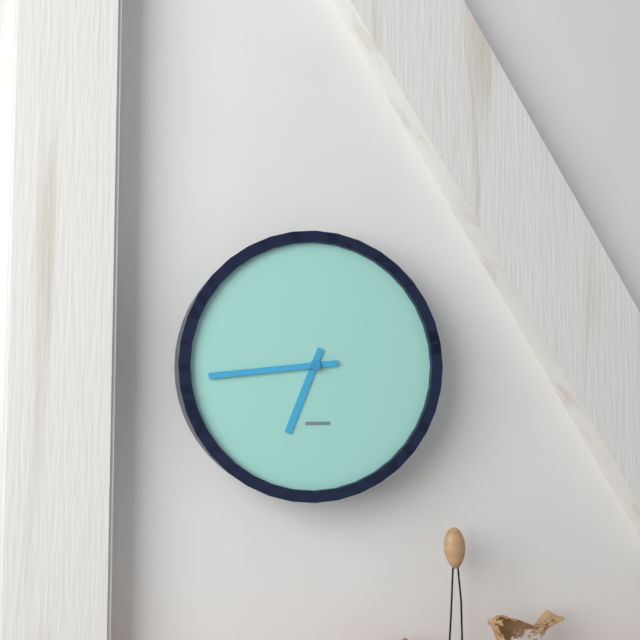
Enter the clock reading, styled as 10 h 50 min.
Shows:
6 h 44 min
